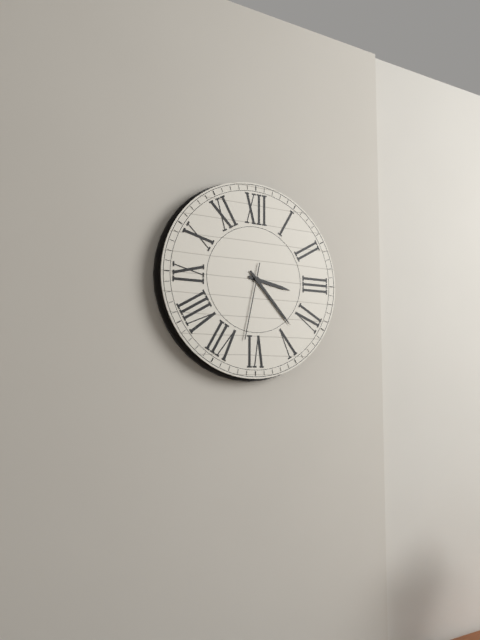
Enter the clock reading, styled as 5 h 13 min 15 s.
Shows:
3 h 23 min 32 s
